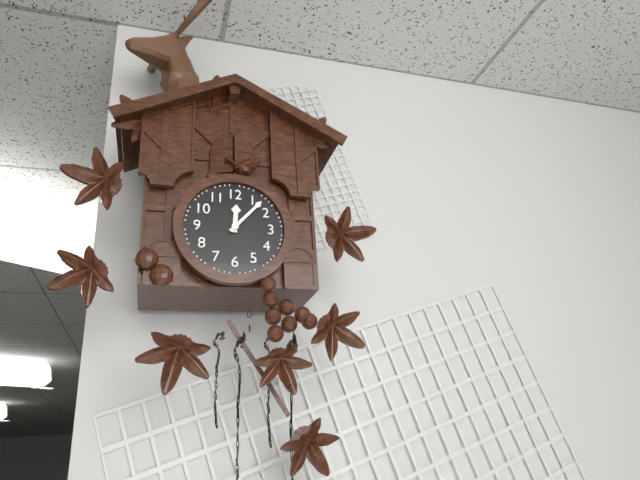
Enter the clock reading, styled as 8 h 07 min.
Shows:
12 h 07 min
